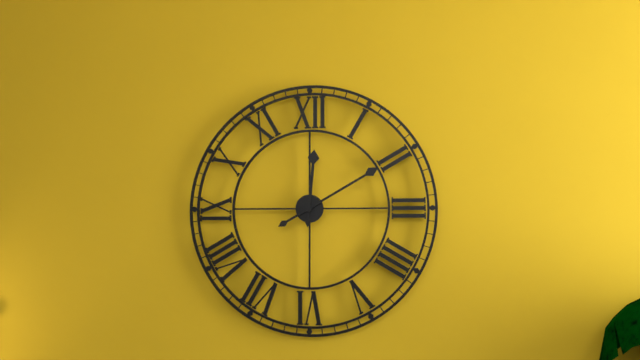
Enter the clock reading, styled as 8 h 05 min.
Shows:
12 h 10 min
